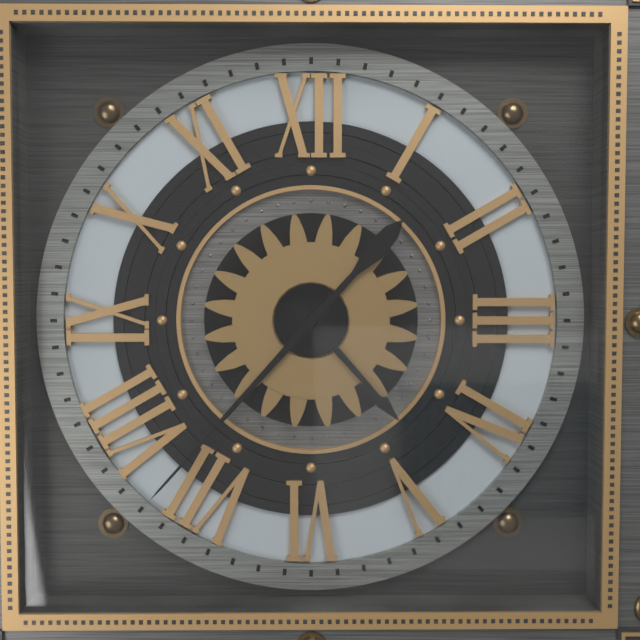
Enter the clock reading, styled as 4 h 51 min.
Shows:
4 h 37 min
